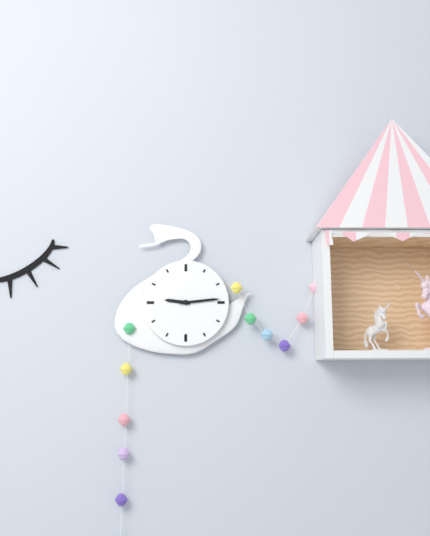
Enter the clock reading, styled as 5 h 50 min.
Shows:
9 h 14 min
